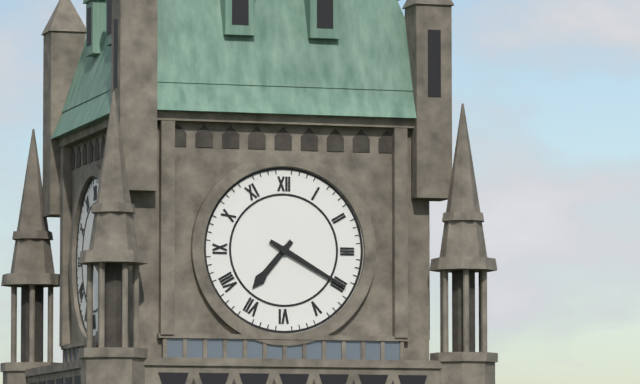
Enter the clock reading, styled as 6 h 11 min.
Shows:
7 h 20 min
